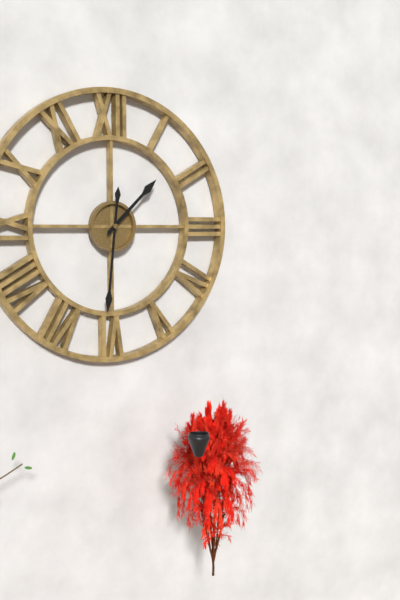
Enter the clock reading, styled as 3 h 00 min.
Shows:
1 h 31 min
